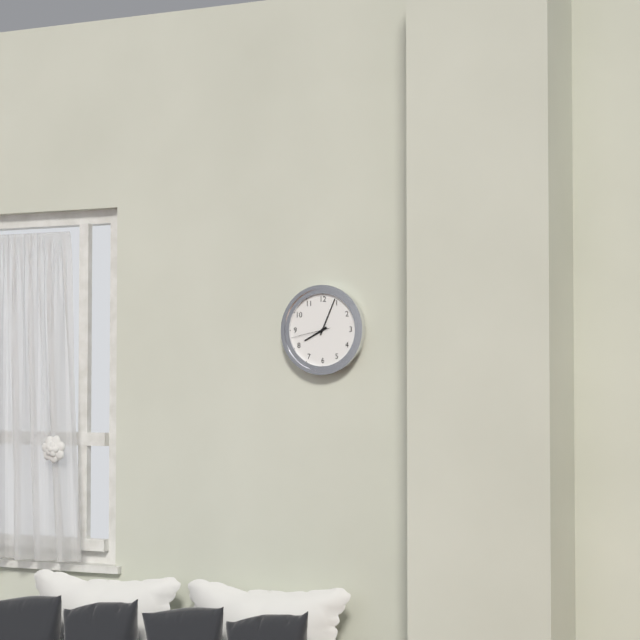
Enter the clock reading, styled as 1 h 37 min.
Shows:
8 h 04 min
